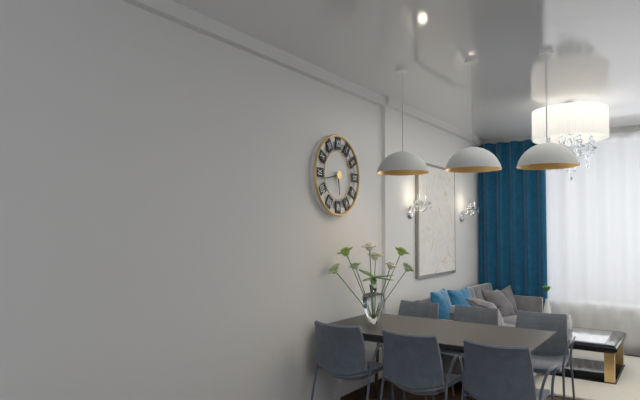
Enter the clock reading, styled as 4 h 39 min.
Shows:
5 h 43 min
